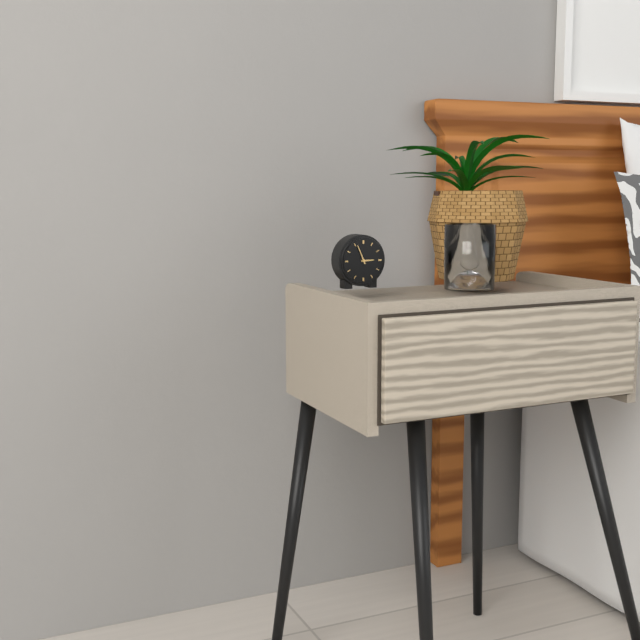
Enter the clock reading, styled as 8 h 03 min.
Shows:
2 h 56 min
